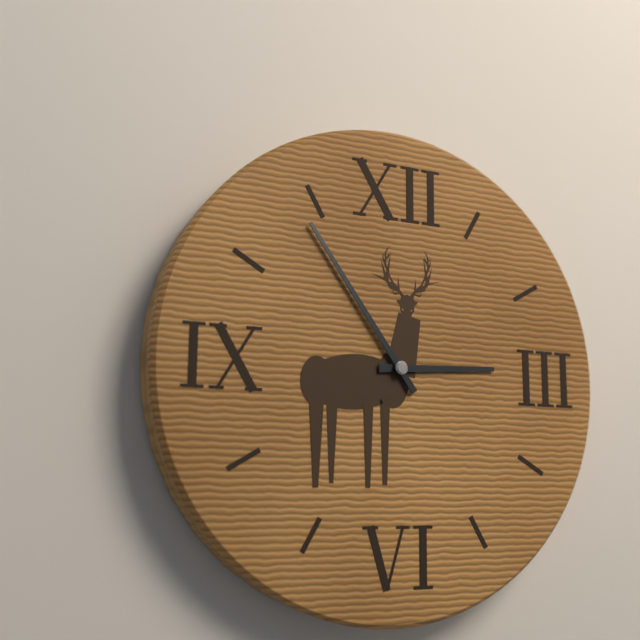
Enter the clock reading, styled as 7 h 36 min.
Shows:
2 h 54 min
